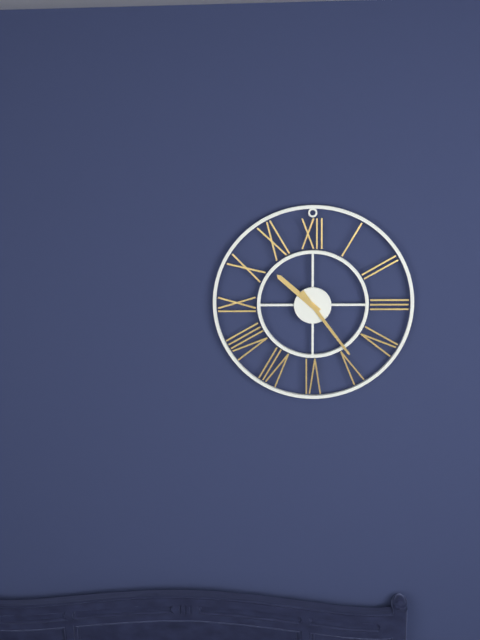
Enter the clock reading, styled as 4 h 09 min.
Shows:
10 h 24 min
